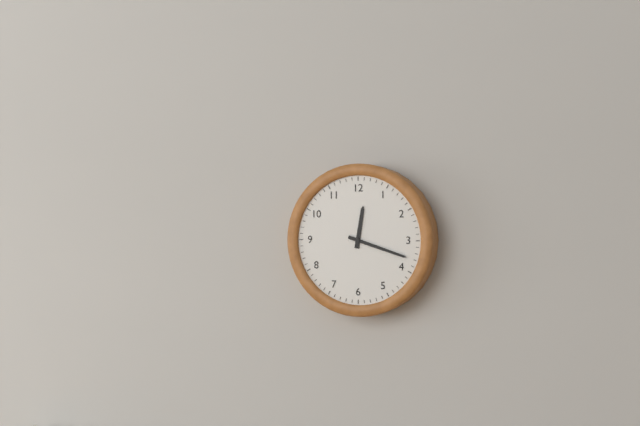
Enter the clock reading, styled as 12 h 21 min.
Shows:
12 h 18 min
